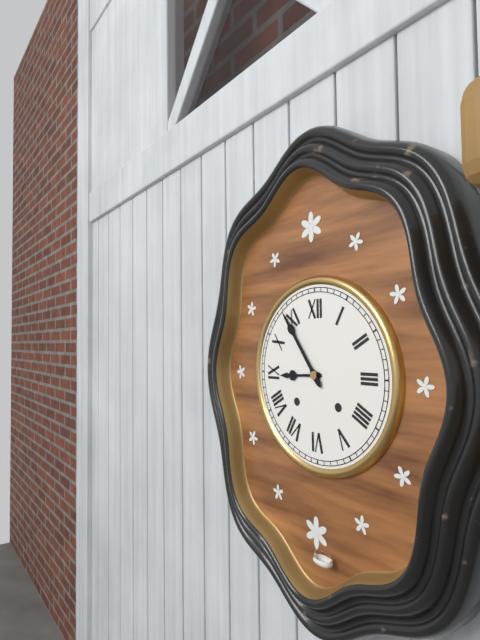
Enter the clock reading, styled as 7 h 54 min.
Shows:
8 h 54 min
